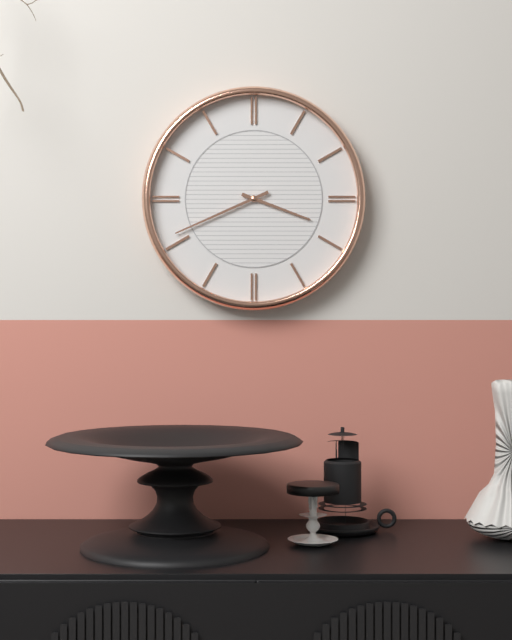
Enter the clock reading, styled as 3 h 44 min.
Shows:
3 h 41 min
